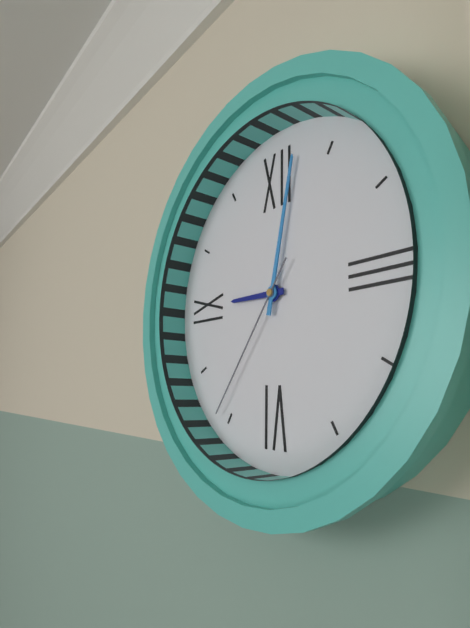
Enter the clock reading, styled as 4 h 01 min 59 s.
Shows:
9 h 02 min 36 s
